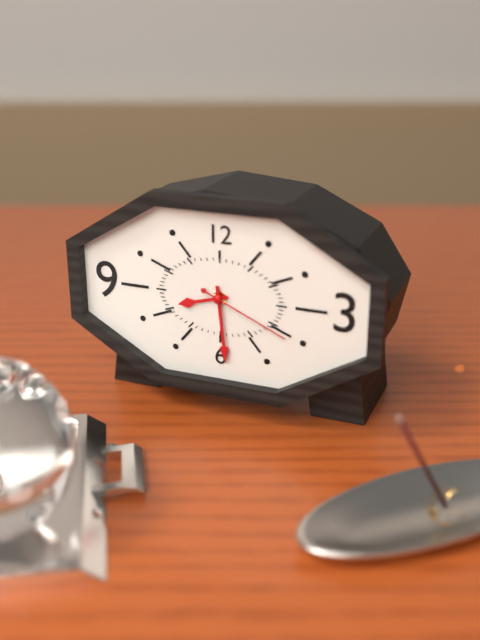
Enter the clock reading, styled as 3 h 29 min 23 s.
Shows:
8 h 29 min 19 s
